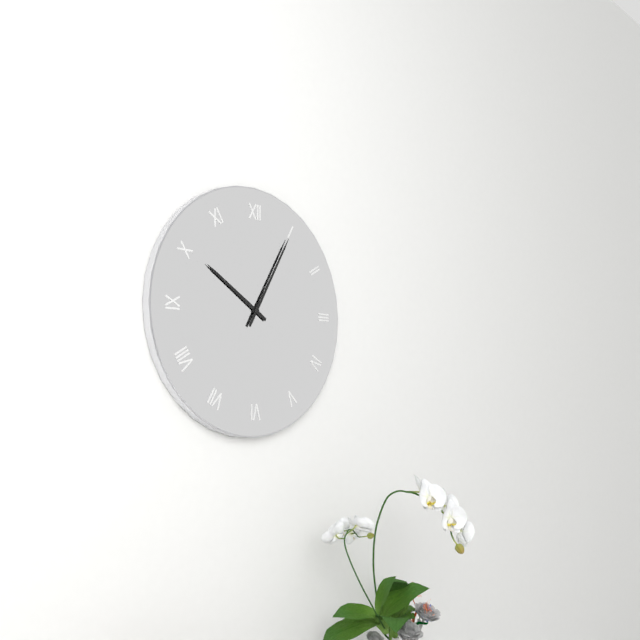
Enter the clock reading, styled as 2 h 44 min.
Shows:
10 h 05 min
